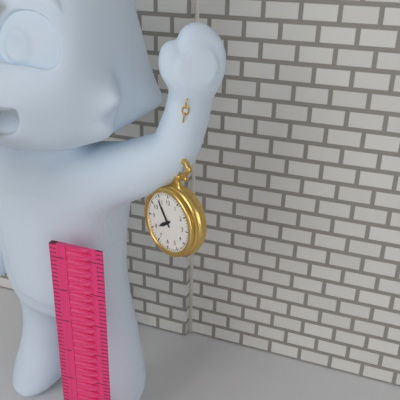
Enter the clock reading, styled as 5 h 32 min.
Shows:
7 h 54 min
